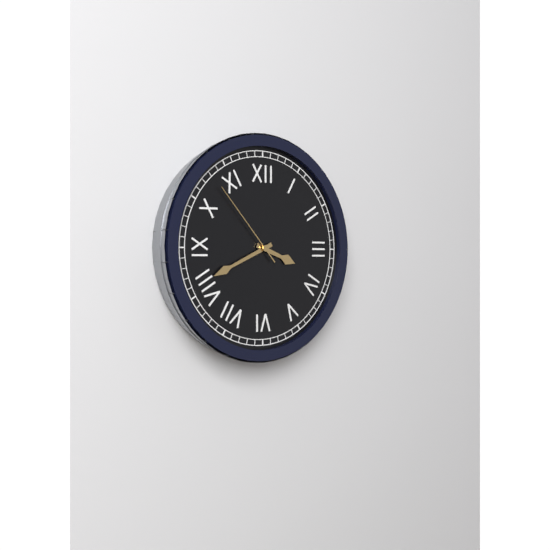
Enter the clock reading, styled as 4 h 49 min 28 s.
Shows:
3 h 41 min 53 s
